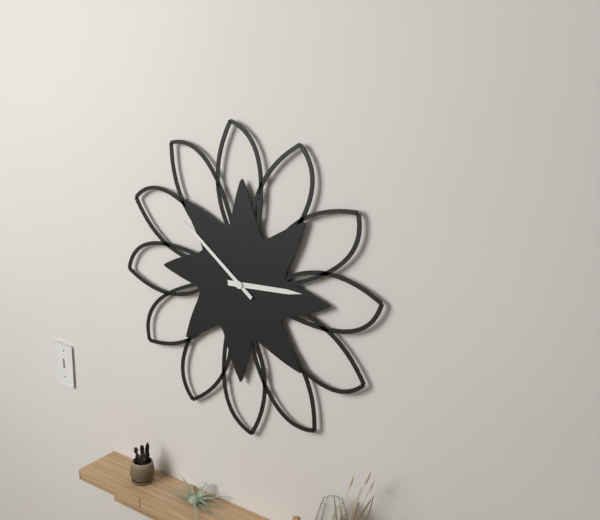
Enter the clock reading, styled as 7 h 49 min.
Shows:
2 h 51 min
